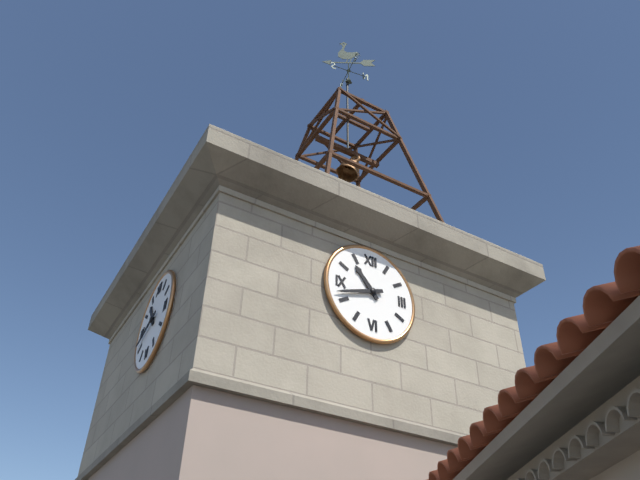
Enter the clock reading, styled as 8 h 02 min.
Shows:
10 h 42 min
